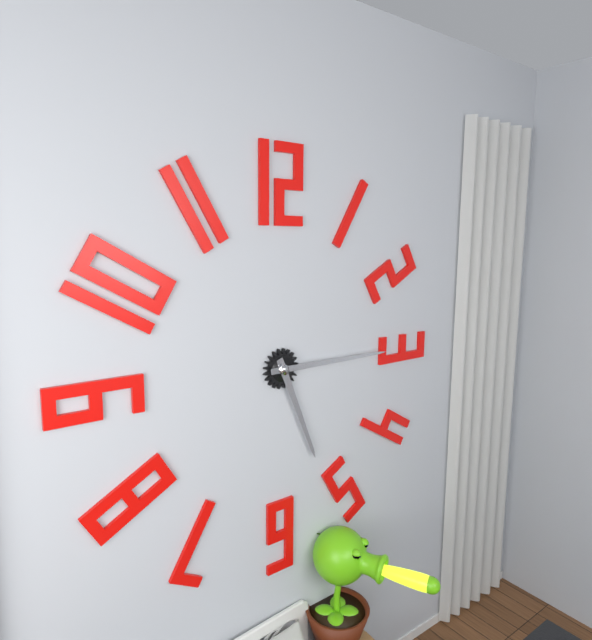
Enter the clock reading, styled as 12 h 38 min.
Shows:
5 h 15 min
